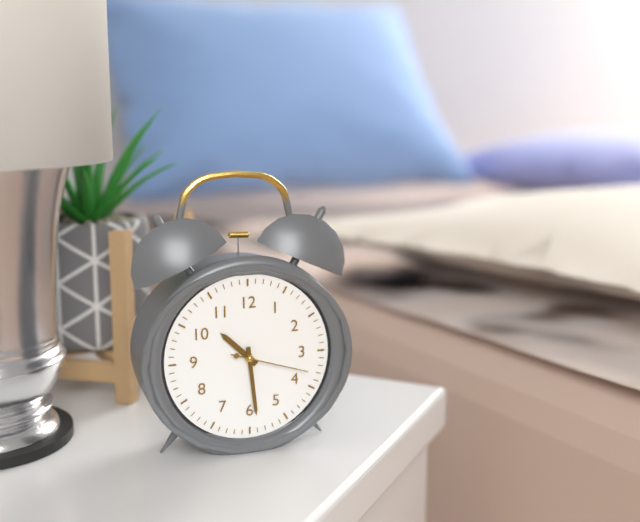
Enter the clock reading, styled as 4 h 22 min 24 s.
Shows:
10 h 29 min 18 s
